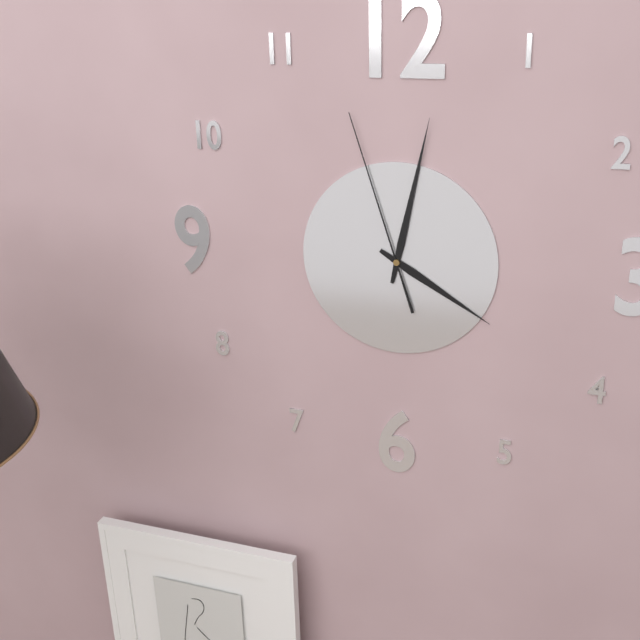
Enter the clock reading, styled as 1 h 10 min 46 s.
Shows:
4 h 02 min 57 s
